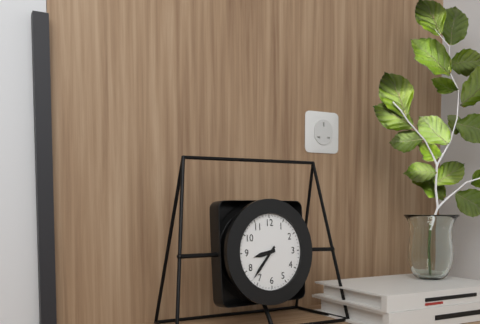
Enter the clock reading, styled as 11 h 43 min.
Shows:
8 h 37 min
